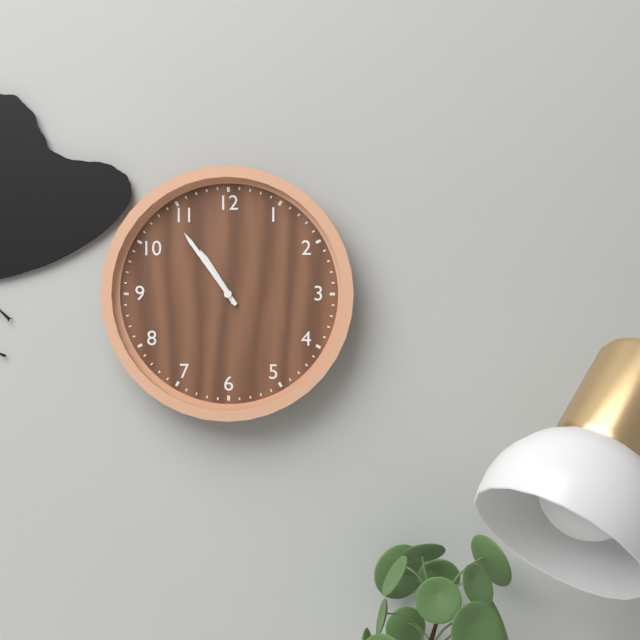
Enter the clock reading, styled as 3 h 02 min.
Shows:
10 h 54 min
